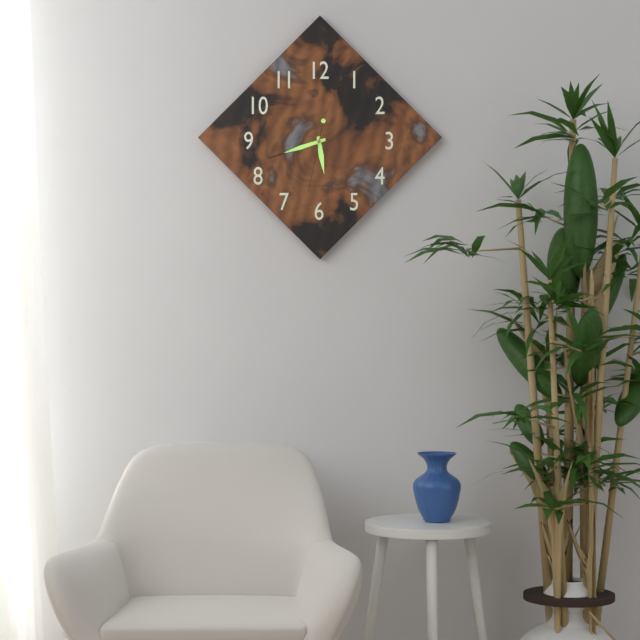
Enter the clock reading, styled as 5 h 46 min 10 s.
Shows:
5 h 42 min 32 s
